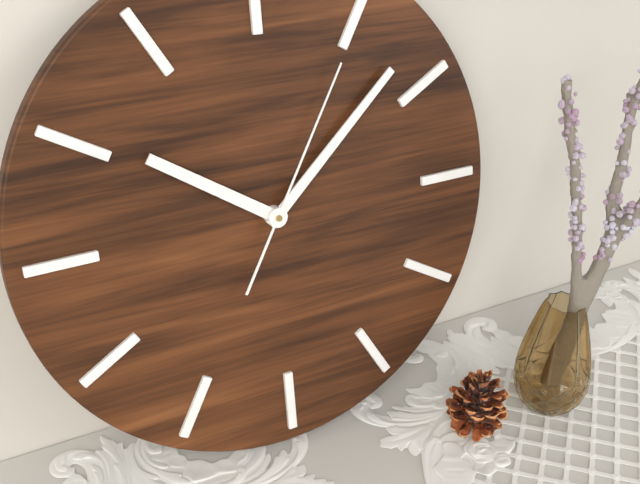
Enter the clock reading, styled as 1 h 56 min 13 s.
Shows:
10 h 08 min 05 s
